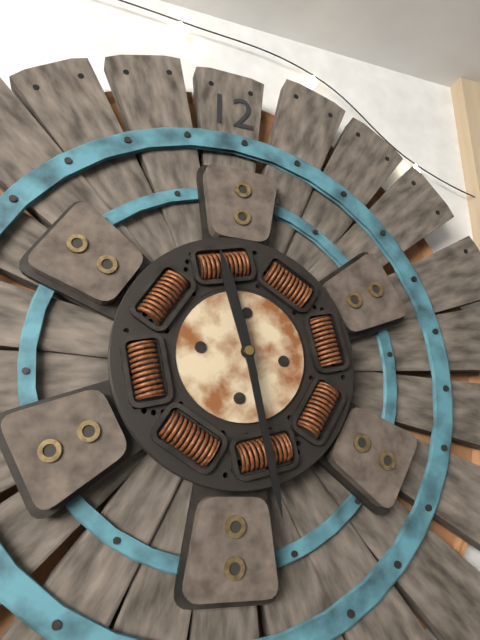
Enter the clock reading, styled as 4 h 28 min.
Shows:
11 h 28 min
